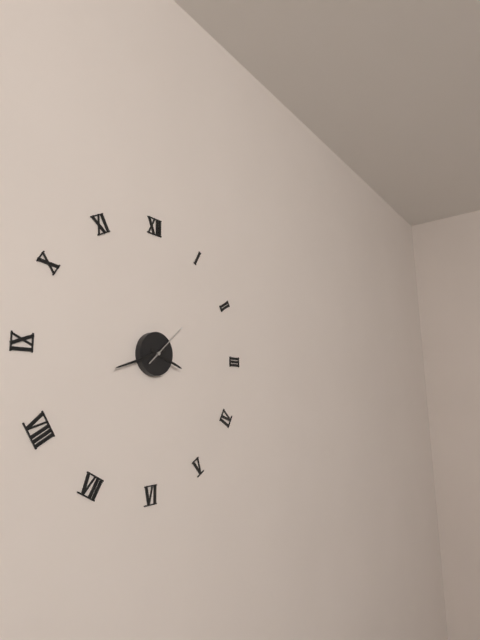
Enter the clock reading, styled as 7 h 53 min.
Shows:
3 h 42 min
